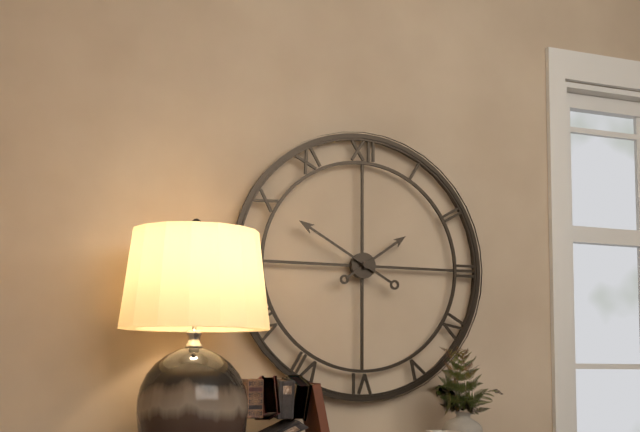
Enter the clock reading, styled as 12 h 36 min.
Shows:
1 h 50 min
